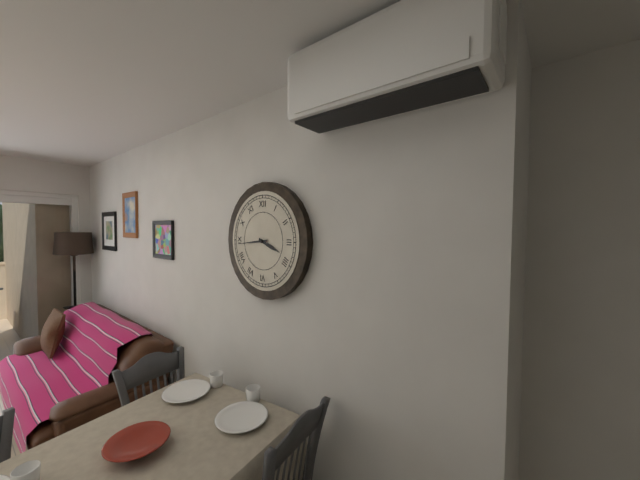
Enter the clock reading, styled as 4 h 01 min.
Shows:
3 h 44 min
